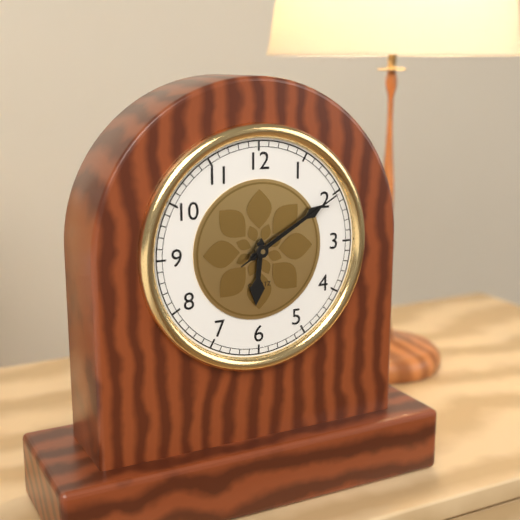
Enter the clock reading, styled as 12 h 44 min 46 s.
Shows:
6 h 10 min 10 s
